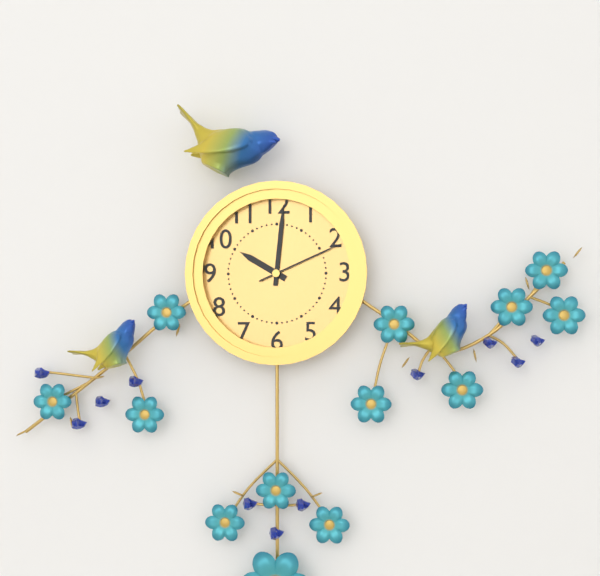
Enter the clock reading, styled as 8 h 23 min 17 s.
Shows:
10 h 01 min 11 s
